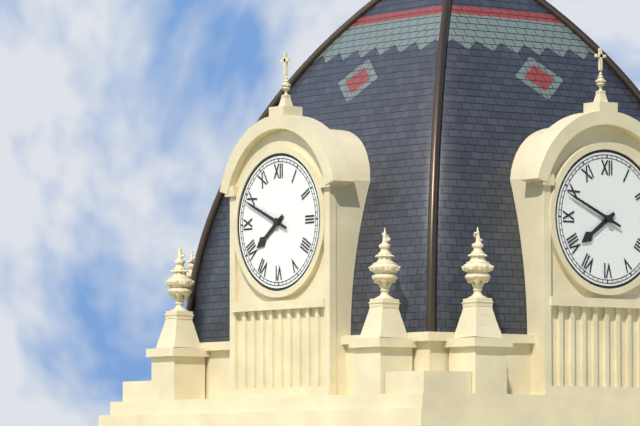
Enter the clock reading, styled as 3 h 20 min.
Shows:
7 h 49 min
